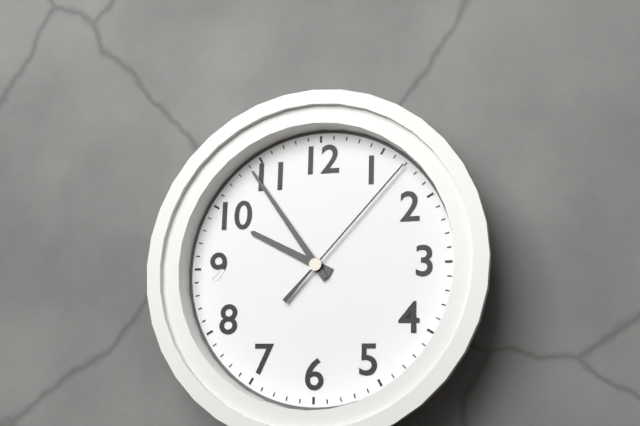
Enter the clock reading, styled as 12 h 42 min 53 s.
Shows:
9 h 54 min 07 s
